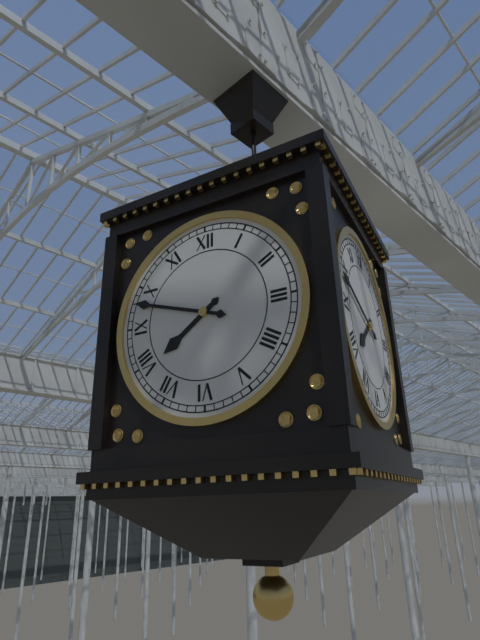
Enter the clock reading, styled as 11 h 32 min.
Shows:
7 h 48 min
